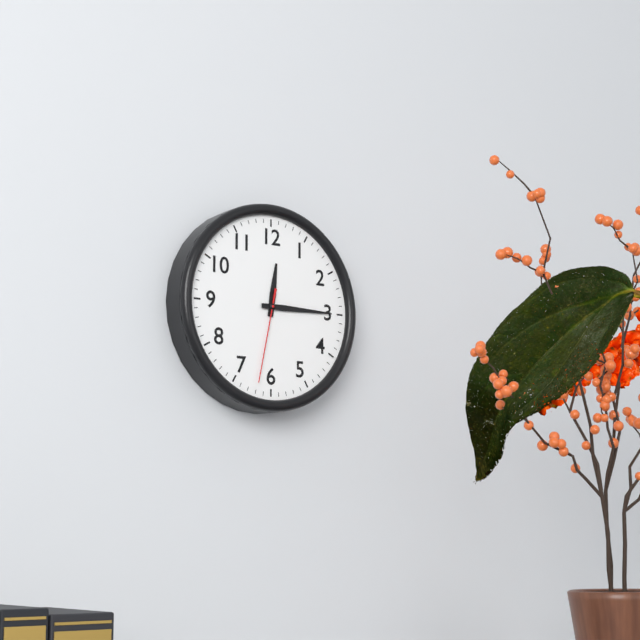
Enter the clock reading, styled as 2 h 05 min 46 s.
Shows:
12 h 15 min 32 s
